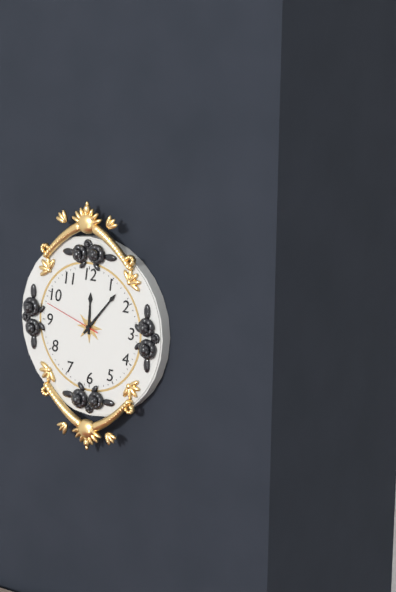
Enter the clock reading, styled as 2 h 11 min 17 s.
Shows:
12 h 07 min 48 s
